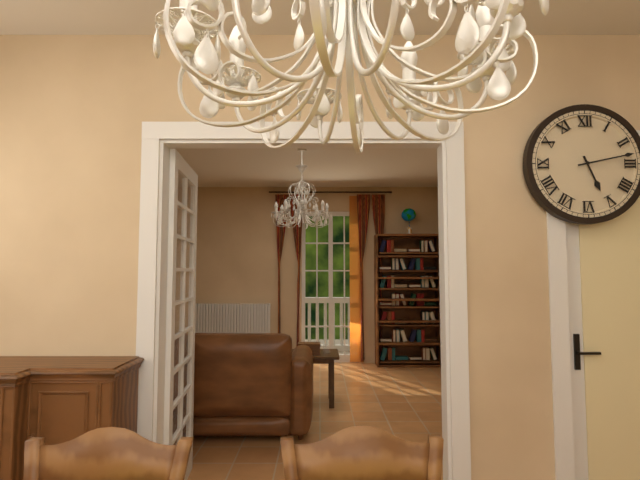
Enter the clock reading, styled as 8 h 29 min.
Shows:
5 h 13 min
